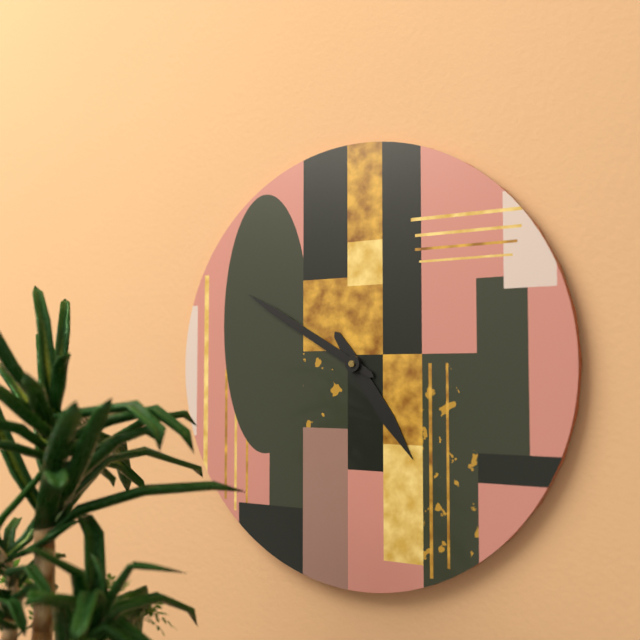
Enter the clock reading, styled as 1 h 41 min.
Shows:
4 h 50 min
